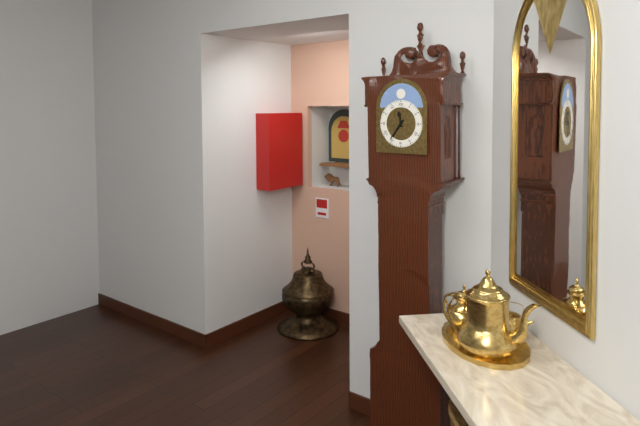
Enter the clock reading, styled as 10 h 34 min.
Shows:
11 h 36 min
